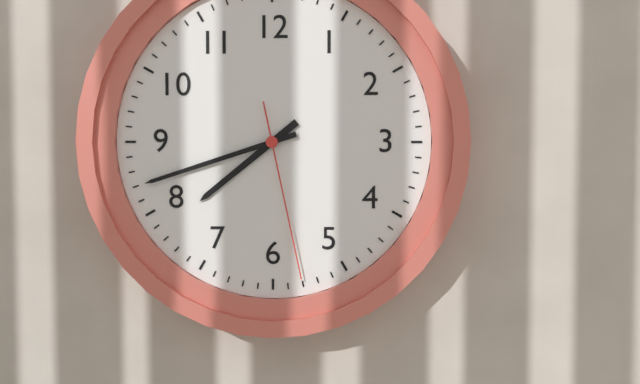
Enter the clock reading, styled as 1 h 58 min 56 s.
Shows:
7 h 42 min 28 s
